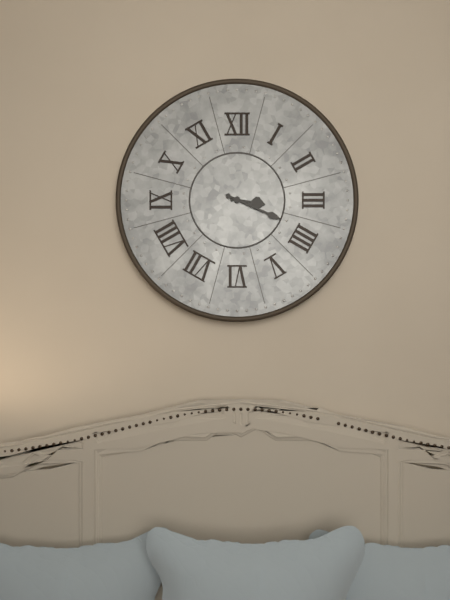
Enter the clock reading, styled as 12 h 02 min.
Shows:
3 h 19 min
